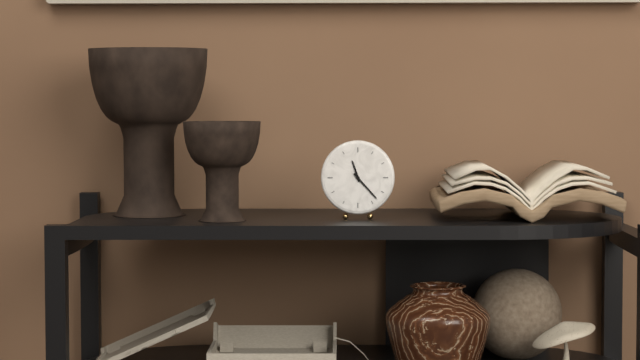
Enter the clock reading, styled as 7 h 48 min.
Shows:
11 h 23 min
